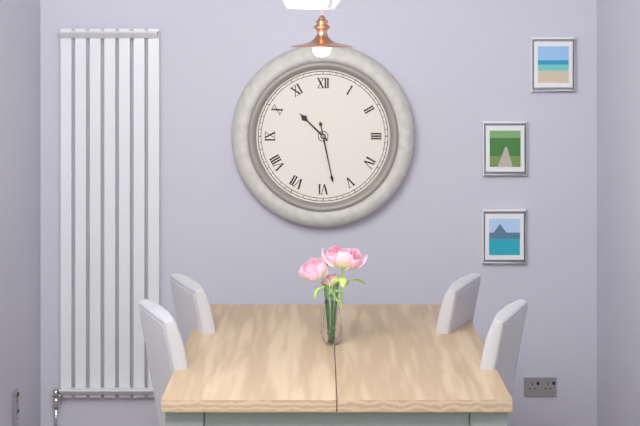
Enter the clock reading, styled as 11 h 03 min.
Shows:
10 h 28 min
